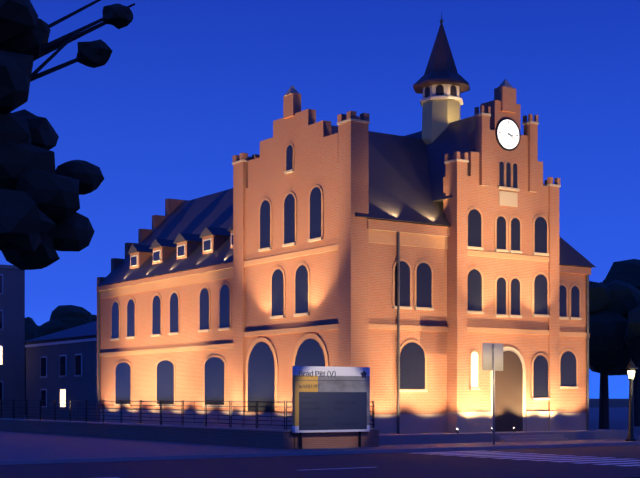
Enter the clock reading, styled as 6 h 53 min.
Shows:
3 h 20 min
